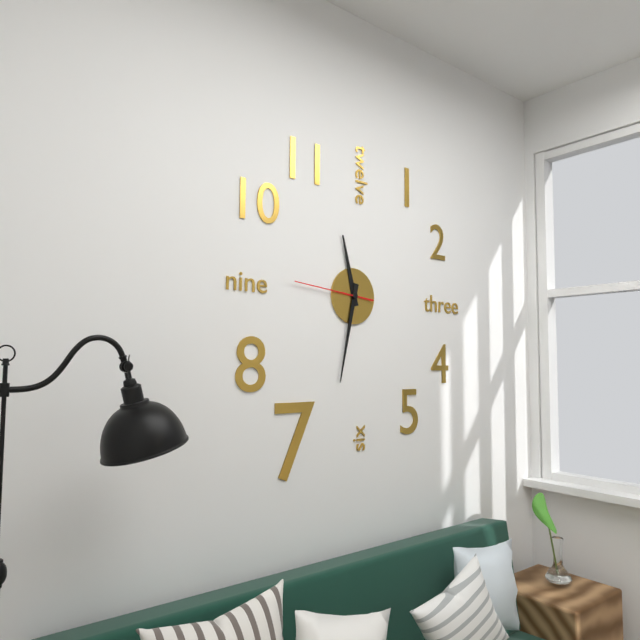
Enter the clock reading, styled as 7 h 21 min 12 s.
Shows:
11 h 32 min 46 s
